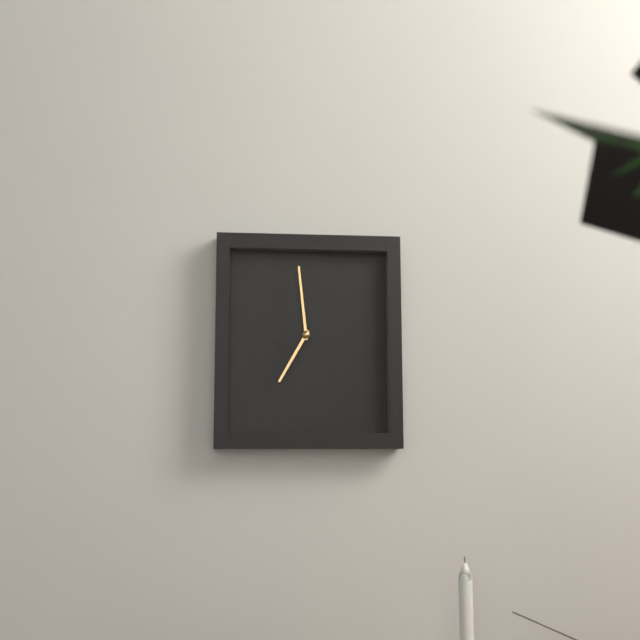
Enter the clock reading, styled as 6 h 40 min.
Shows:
6 h 59 min
